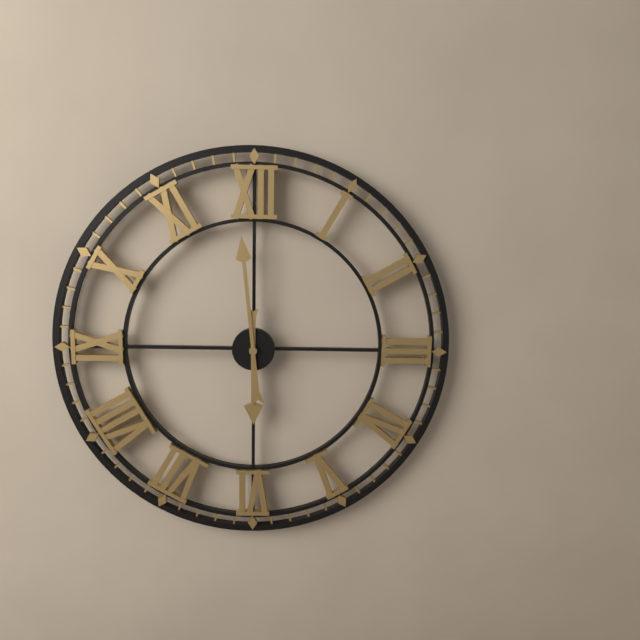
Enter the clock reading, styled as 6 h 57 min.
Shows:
5 h 59 min
